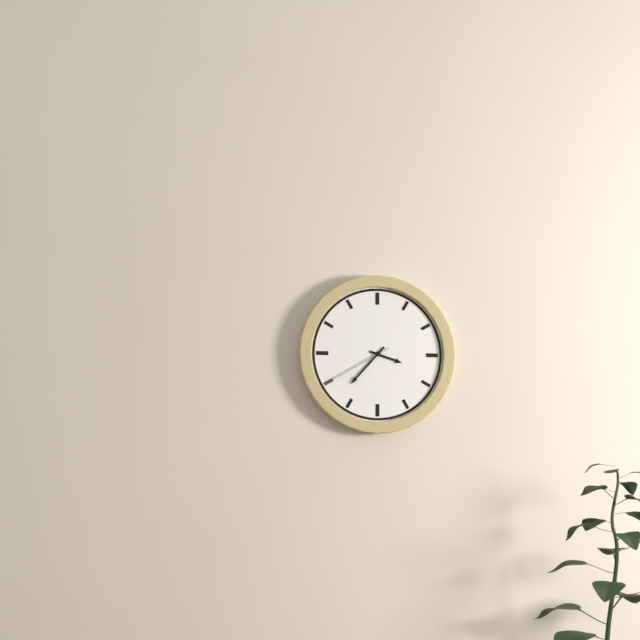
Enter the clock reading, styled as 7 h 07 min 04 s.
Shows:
3 h 37 min 40 s
